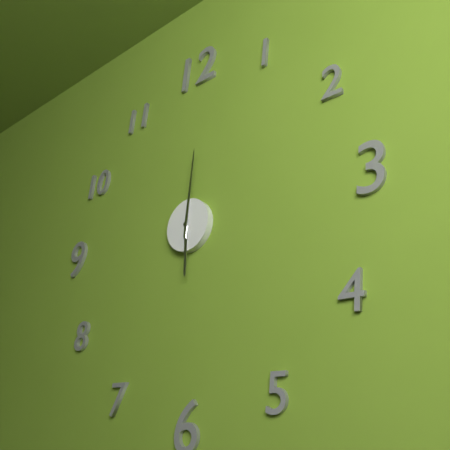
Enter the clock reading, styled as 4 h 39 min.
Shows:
6 h 01 min
